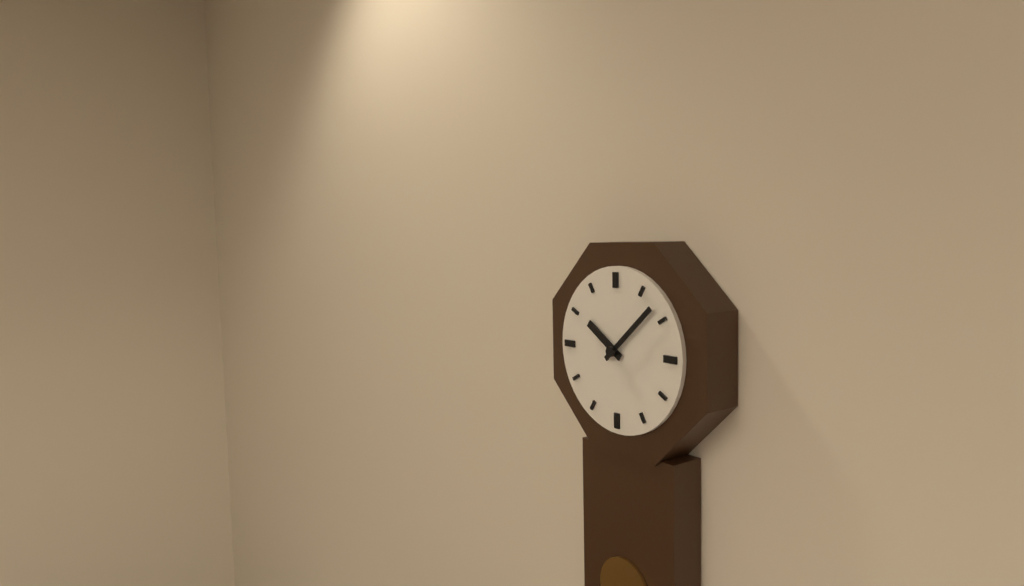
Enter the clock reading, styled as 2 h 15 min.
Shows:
10 h 08 min
